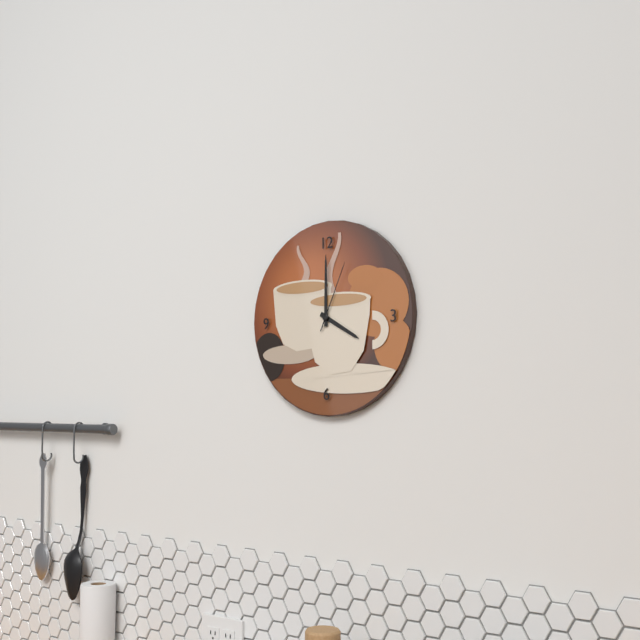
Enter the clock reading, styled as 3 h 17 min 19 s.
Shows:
4 h 00 min 04 s
